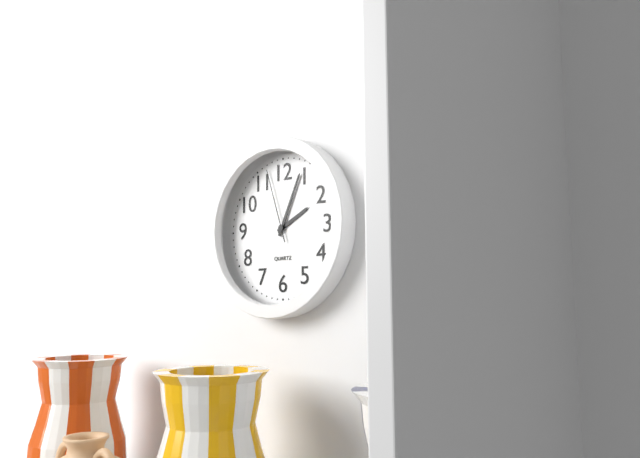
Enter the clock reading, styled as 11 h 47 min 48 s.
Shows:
2 h 04 min 57 s
